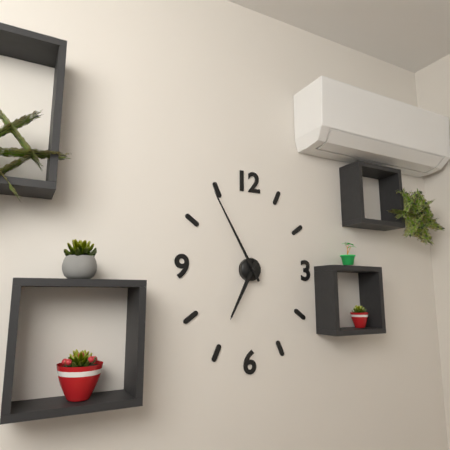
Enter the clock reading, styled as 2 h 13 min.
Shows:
6 h 55 min
